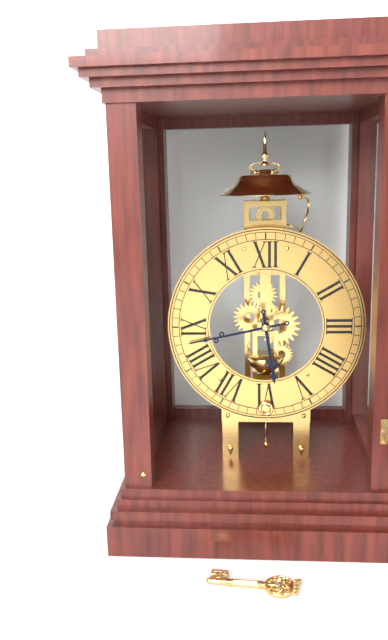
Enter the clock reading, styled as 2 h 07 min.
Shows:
5 h 43 min
